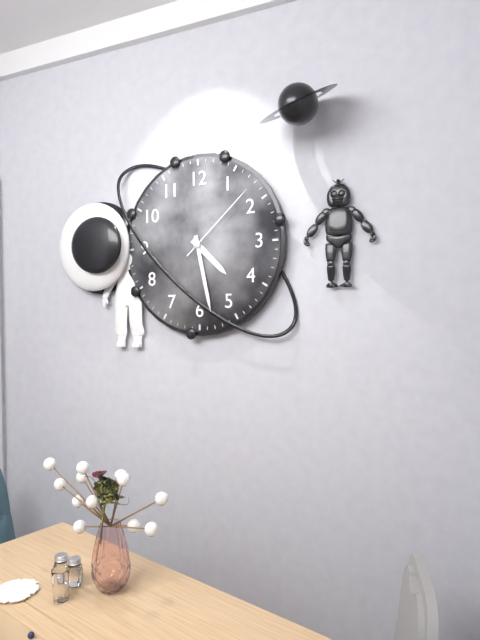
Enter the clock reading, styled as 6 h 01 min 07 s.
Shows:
4 h 28 min 08 s
